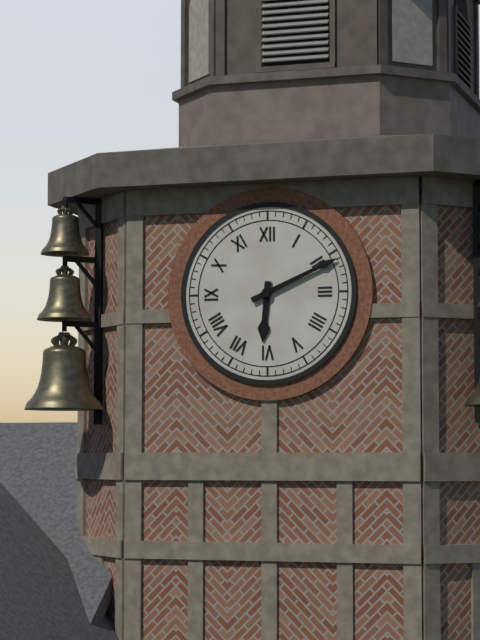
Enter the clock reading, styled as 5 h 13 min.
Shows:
6 h 11 min
